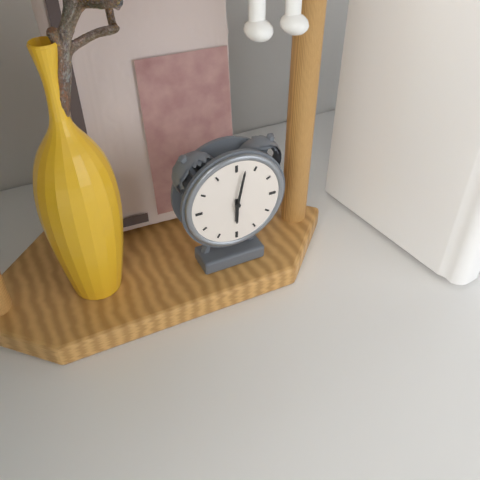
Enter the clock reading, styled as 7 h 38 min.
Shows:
6 h 02 min
